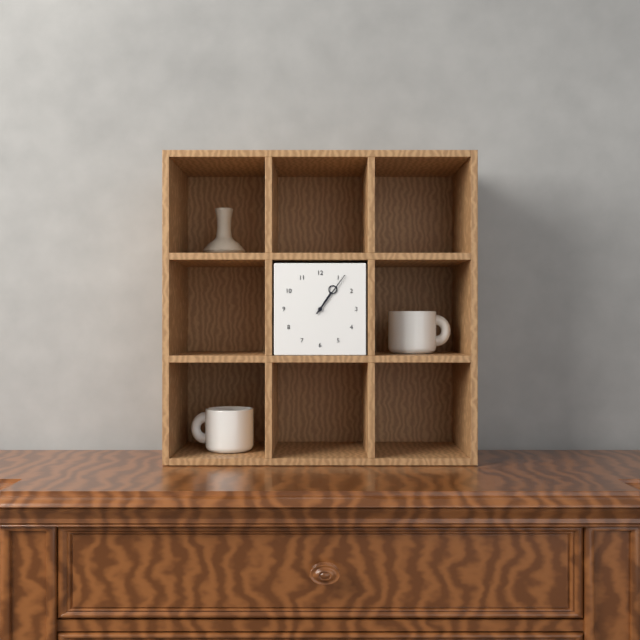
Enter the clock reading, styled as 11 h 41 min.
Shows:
1 h 06 min
